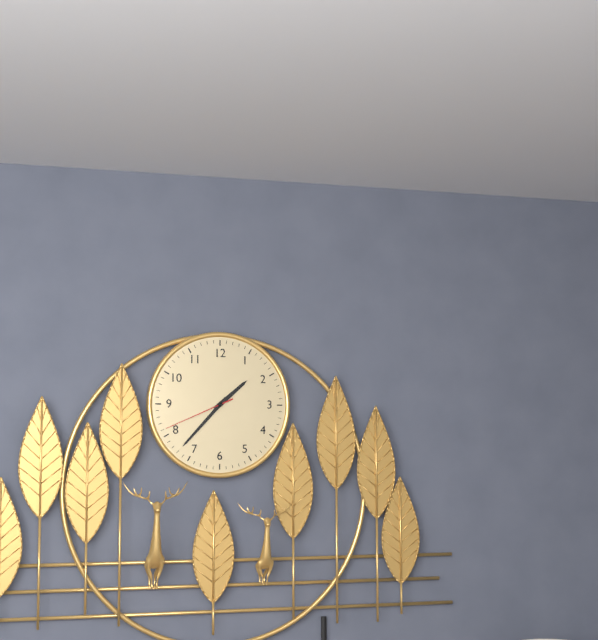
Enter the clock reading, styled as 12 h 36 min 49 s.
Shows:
1 h 37 min 41 s
